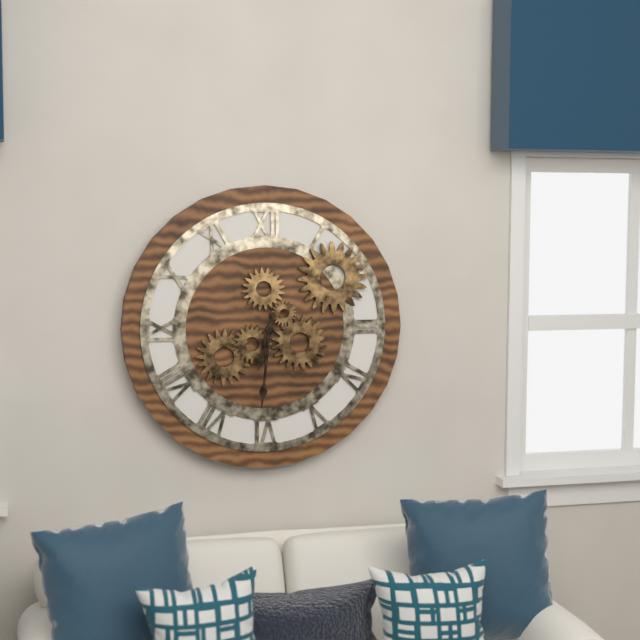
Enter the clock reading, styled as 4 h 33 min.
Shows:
6 h 31 min
